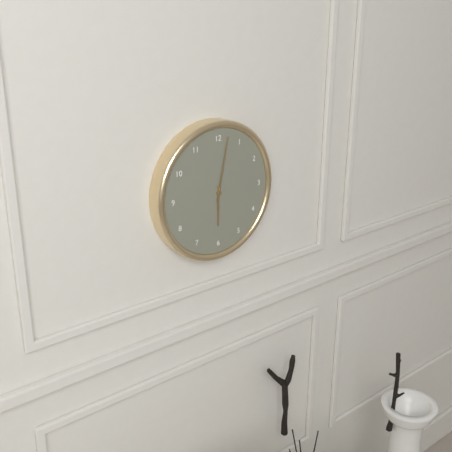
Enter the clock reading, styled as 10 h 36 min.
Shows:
6 h 02 min
